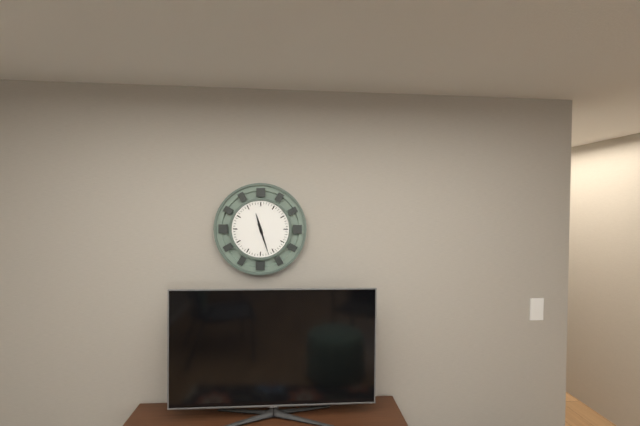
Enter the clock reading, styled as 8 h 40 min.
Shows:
11 h 27 min
